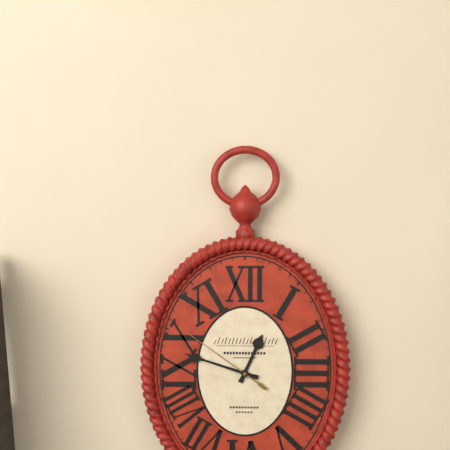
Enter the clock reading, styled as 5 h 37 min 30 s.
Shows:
12 h 48 min 51 s
